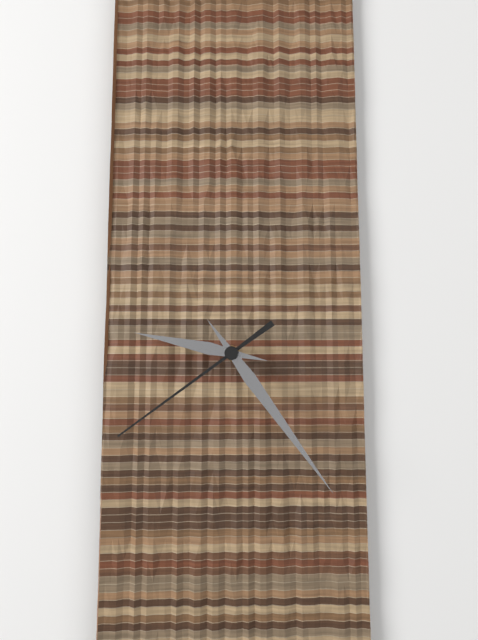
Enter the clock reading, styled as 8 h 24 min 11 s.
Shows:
9 h 24 min 39 s
